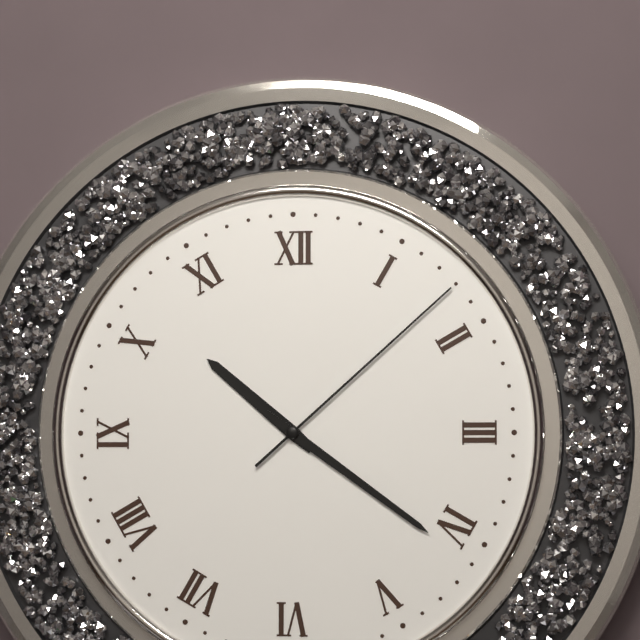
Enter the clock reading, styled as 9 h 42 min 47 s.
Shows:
10 h 21 min 08 s
